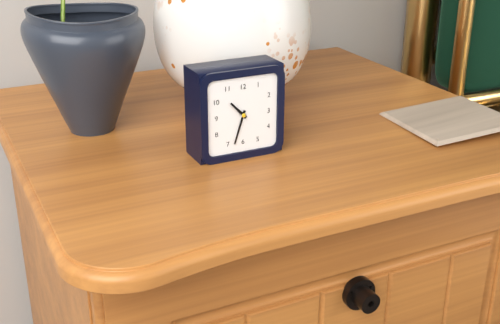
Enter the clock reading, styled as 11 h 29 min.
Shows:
10 h 33 min
